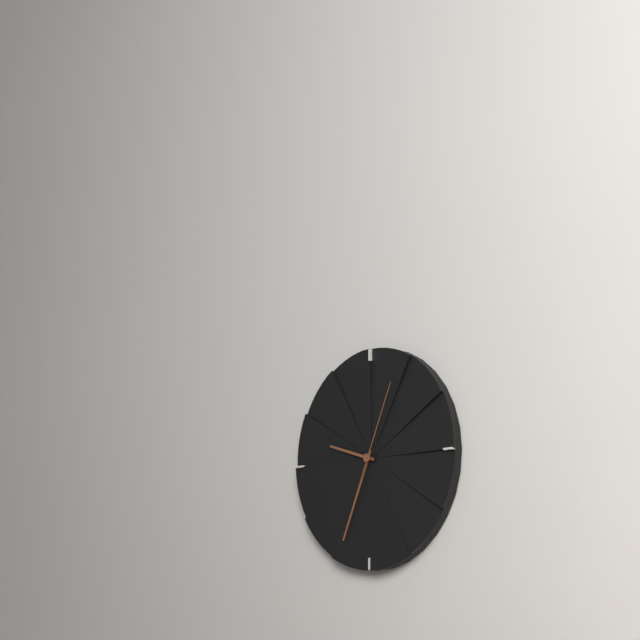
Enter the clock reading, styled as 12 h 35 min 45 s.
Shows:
9 h 34 min 04 s
